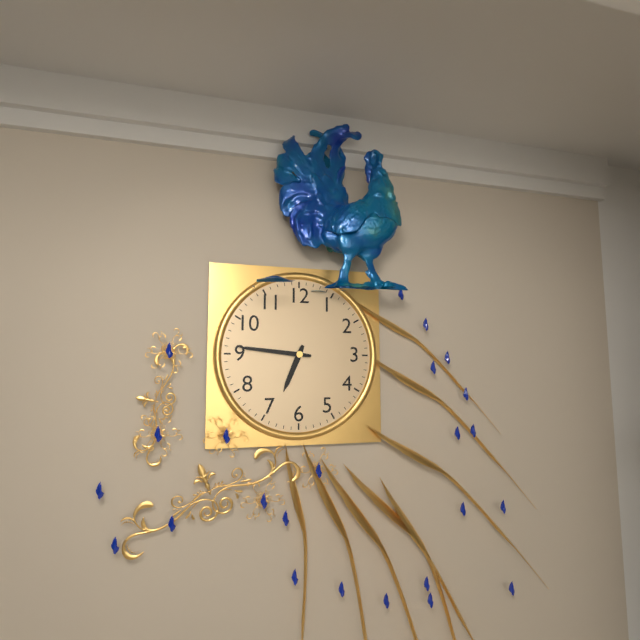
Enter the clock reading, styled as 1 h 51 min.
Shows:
6 h 46 min
